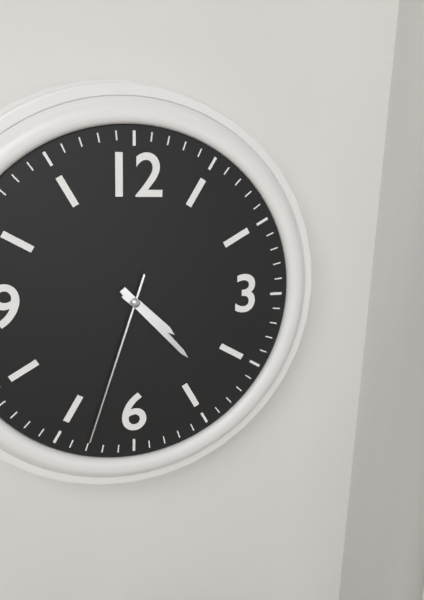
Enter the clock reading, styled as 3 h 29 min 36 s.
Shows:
4 h 23 min 33 s
